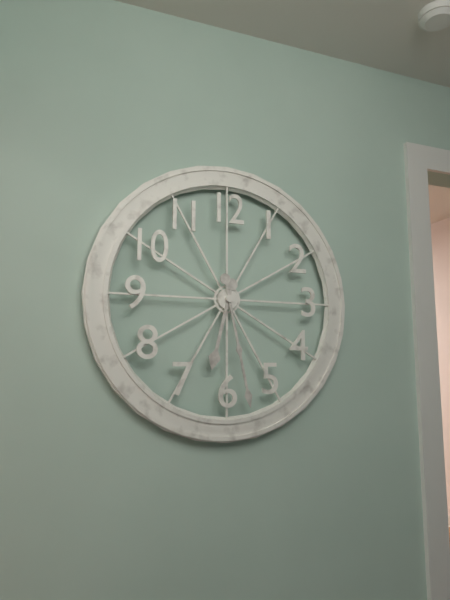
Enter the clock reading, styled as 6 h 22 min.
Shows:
6 h 28 min
